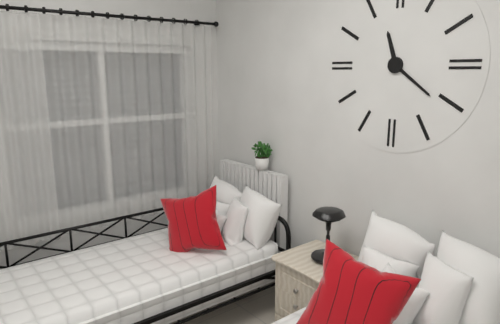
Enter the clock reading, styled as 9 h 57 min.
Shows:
11 h 21 min
